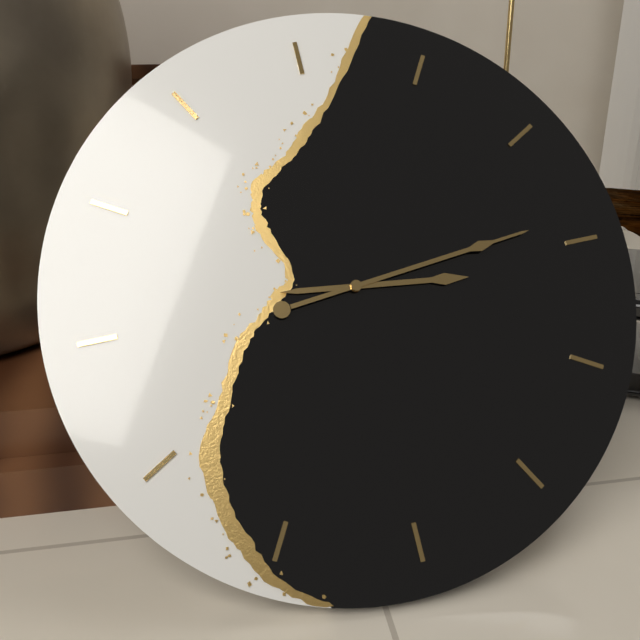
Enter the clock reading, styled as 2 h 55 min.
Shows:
3 h 14 min
